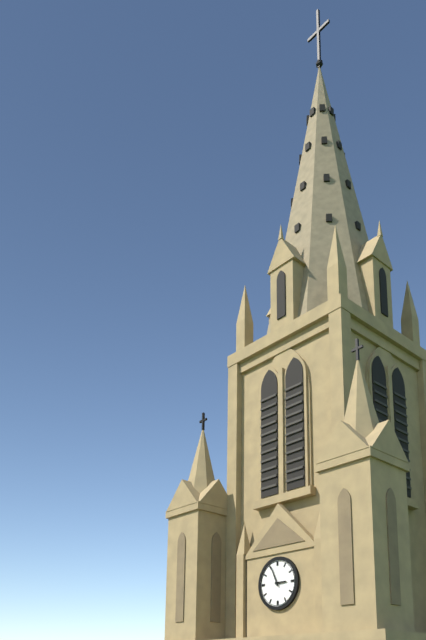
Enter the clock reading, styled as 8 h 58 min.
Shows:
2 h 56 min
